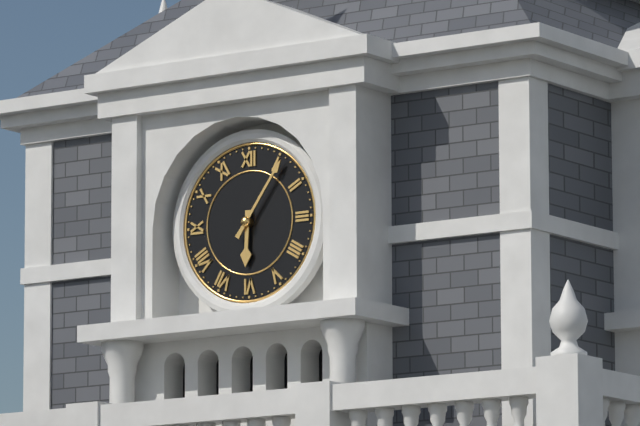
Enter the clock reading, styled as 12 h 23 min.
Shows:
6 h 06 min
